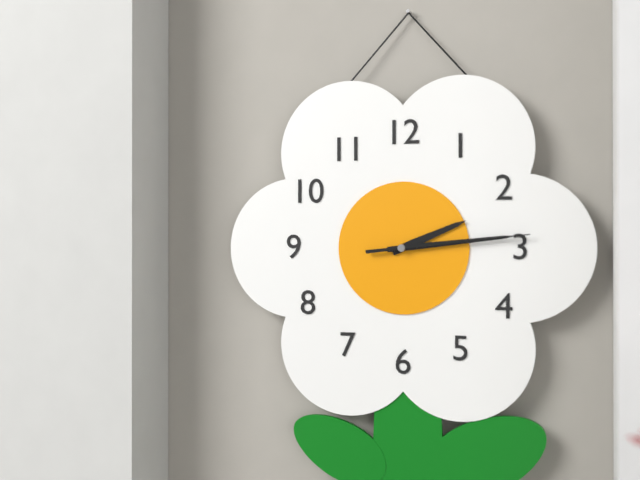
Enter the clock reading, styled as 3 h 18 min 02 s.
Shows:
2 h 14 min 14 s
